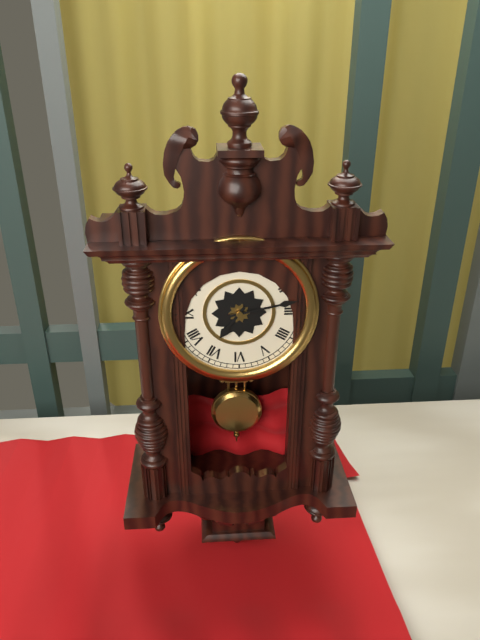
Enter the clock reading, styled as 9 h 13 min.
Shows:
7 h 13 min
